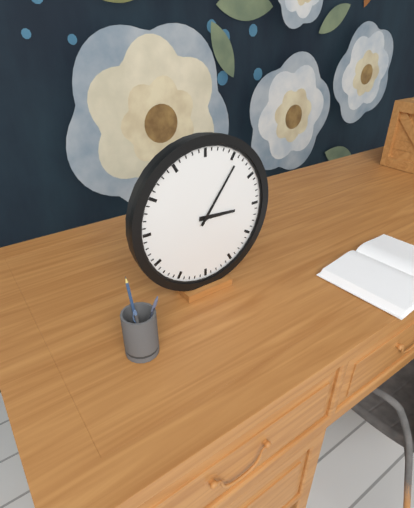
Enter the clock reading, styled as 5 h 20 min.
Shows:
3 h 06 min
